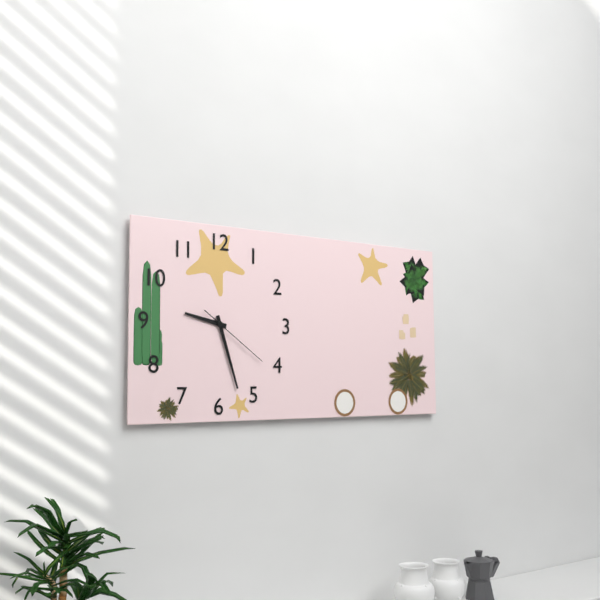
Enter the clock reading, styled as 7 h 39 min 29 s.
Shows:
9 h 27 min 21 s
